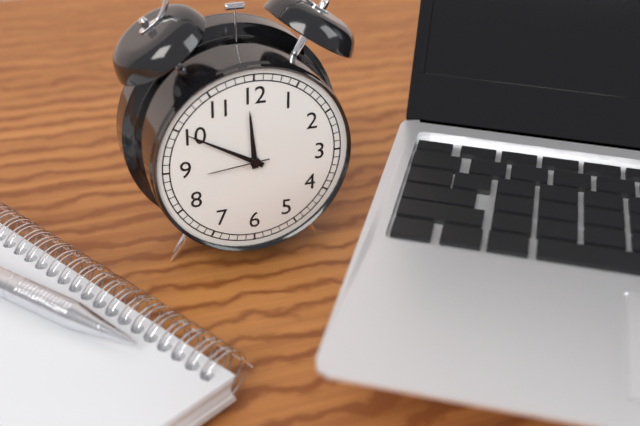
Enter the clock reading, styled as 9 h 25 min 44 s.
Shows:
11 h 50 min 44 s
